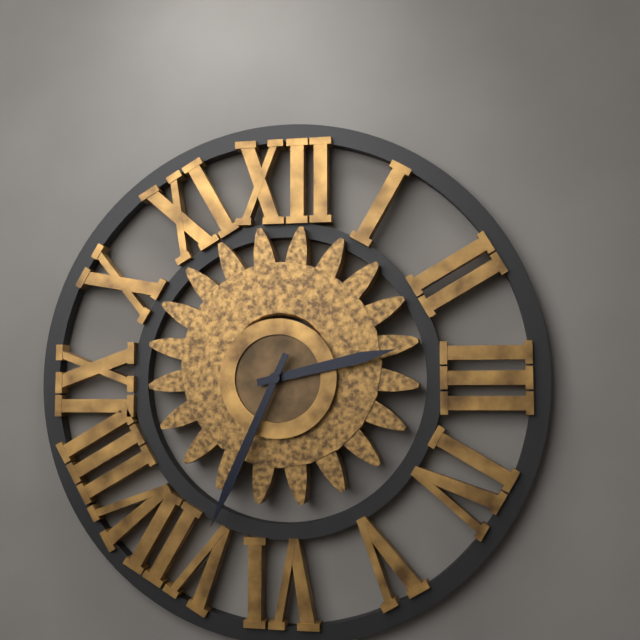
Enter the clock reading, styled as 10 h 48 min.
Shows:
2 h 34 min
